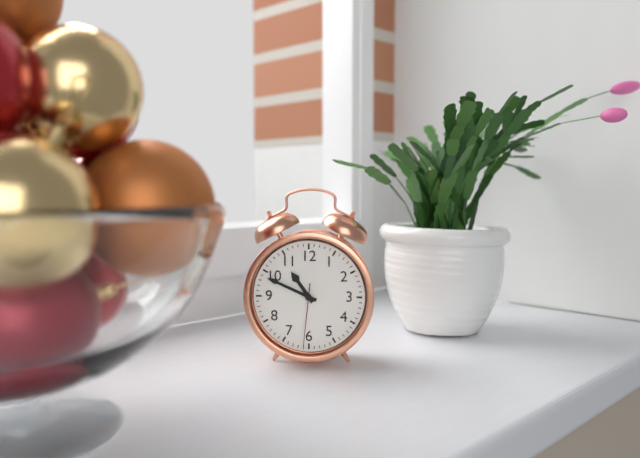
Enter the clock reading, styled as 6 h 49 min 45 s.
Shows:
10 h 49 min 31 s
